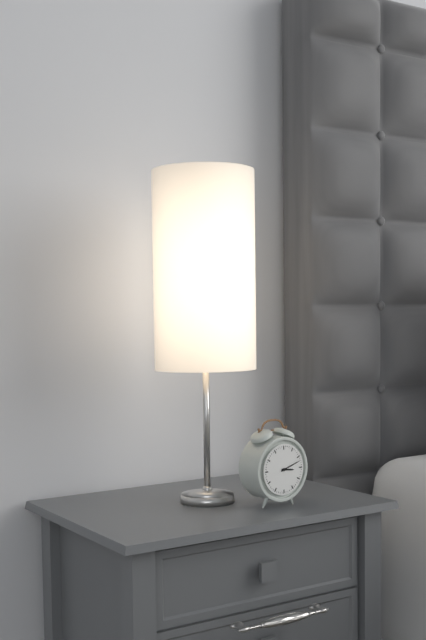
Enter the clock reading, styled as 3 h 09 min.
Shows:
3 h 12 min
